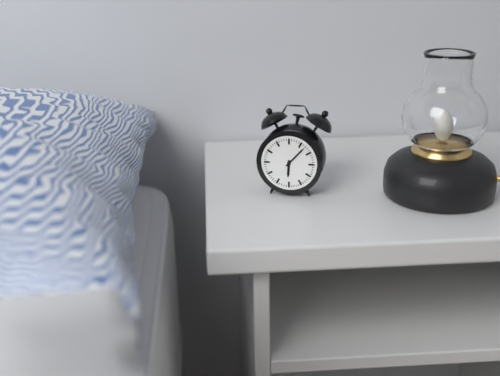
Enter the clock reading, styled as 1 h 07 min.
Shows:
6 h 07 min
